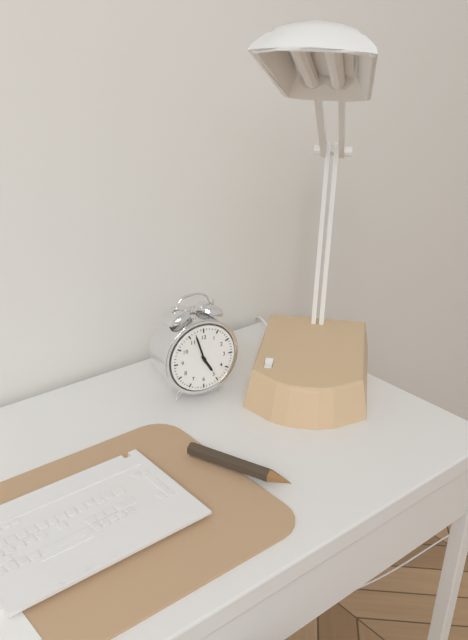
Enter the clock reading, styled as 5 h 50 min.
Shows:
4 h 57 min
